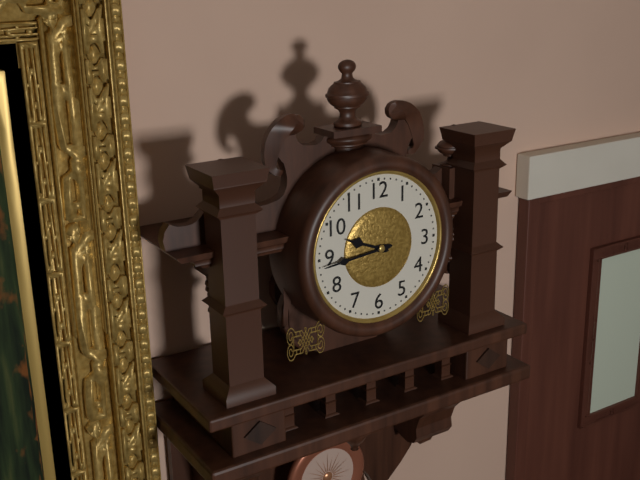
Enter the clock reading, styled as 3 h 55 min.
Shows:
9 h 44 min
